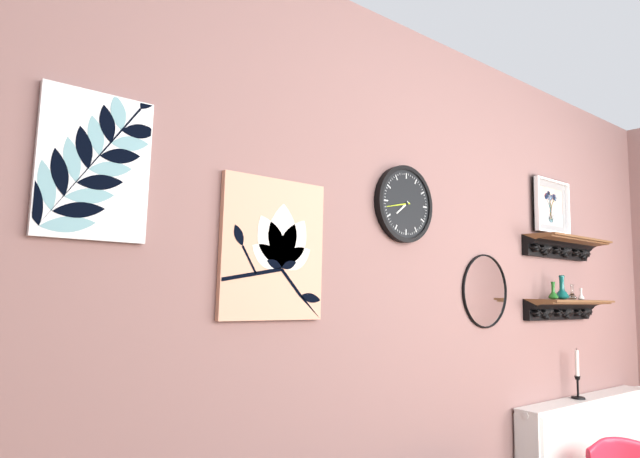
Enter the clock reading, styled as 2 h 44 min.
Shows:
7 h 43 min
